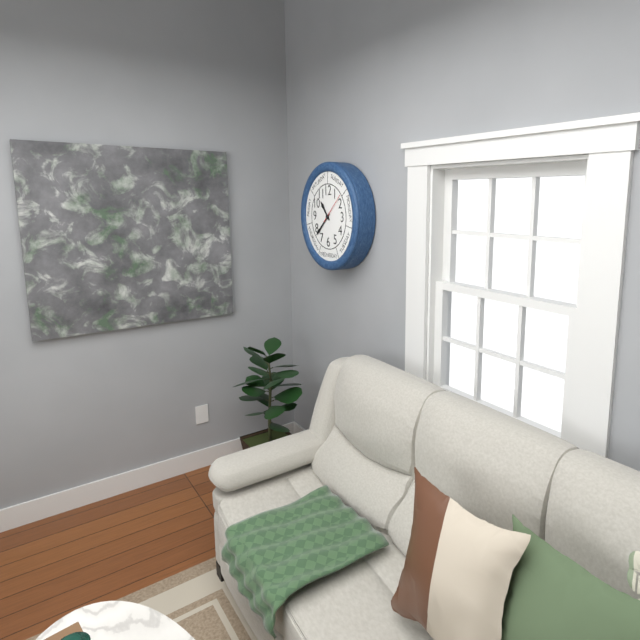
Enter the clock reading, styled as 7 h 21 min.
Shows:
10 h 38 min
